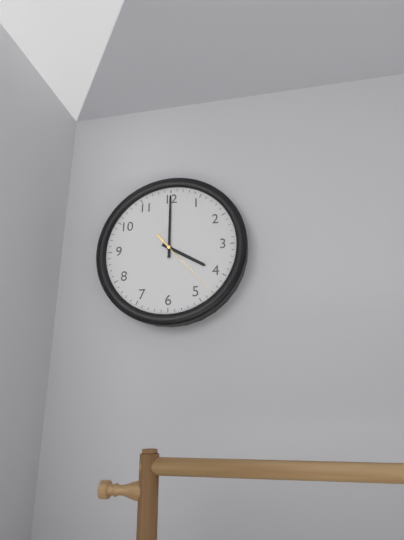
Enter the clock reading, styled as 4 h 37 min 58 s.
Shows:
4 h 00 min 23 s
